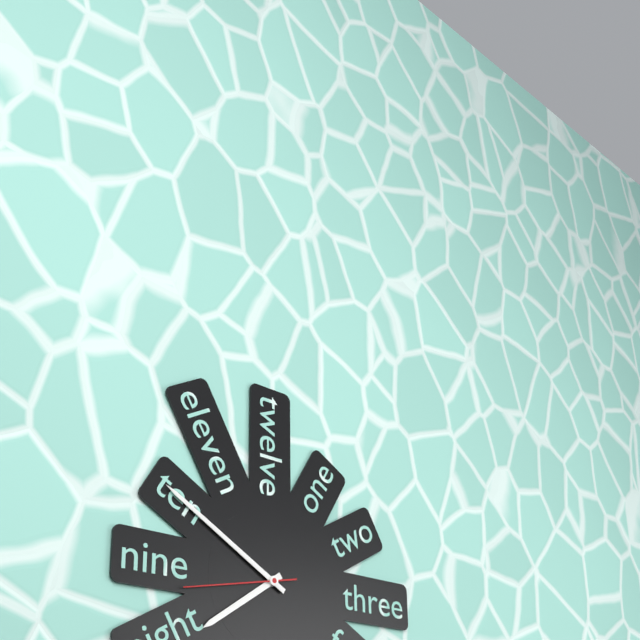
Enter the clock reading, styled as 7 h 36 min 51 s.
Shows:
7 h 50 min 43 s
